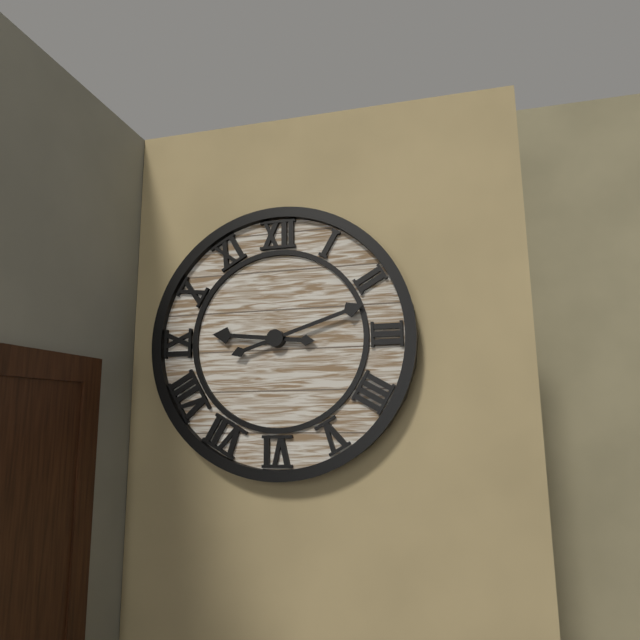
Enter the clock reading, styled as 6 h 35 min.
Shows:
9 h 12 min
